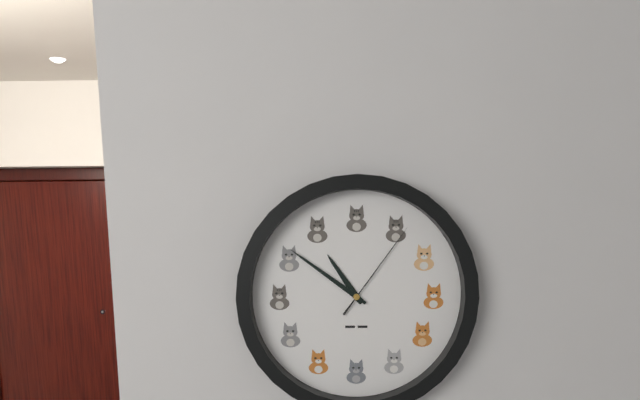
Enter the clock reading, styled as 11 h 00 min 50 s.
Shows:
10 h 51 min 06 s
